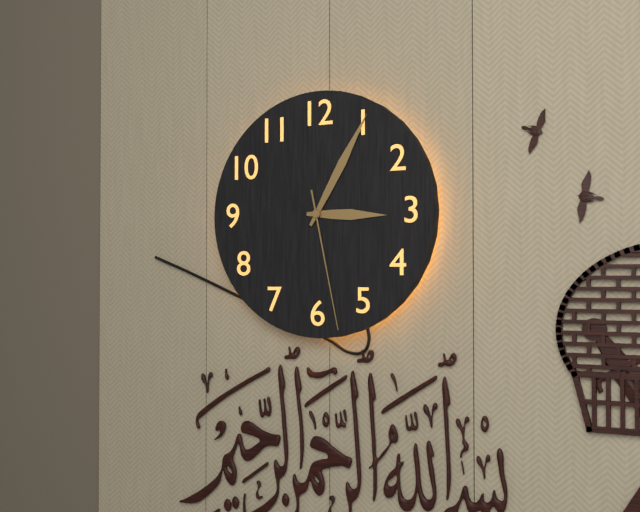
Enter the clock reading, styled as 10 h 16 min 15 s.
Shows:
3 h 05 min 28 s
